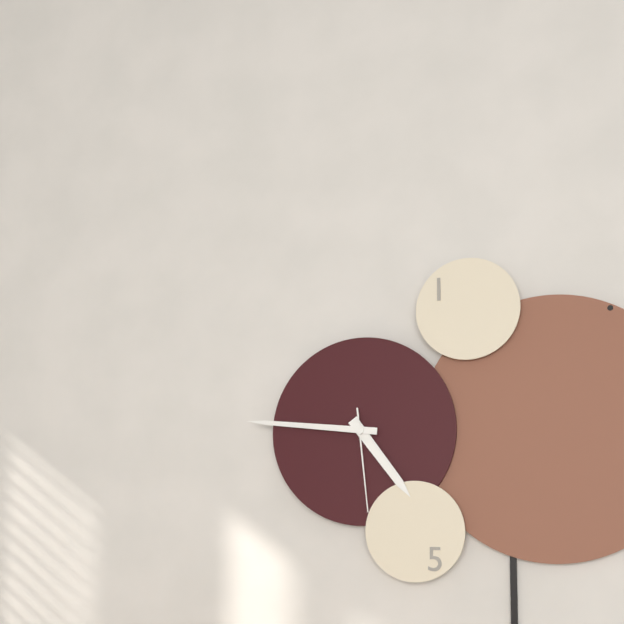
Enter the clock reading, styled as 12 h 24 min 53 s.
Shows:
4 h 46 min 29 s
